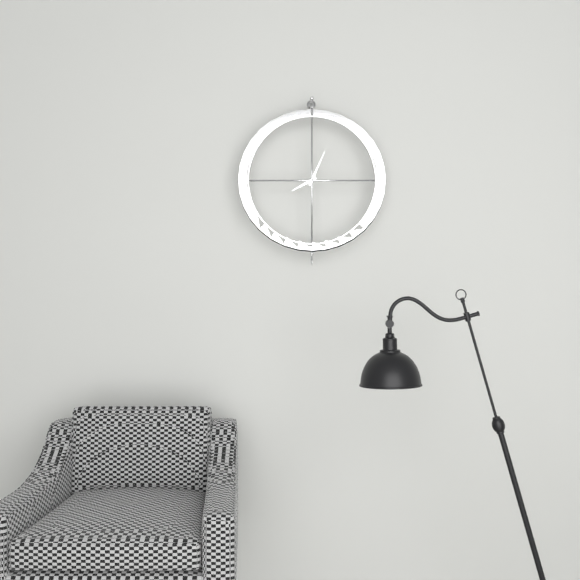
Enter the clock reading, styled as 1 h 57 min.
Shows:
8 h 04 min
